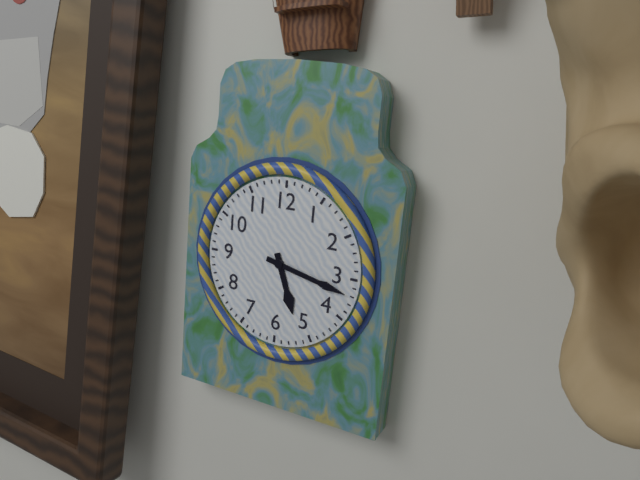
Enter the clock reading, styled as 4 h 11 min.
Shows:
5 h 17 min
